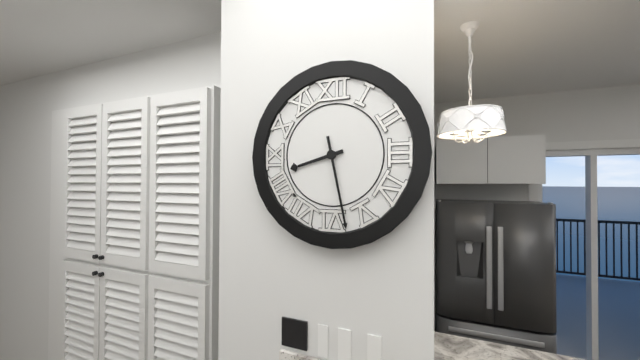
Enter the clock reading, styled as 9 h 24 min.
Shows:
8 h 28 min
